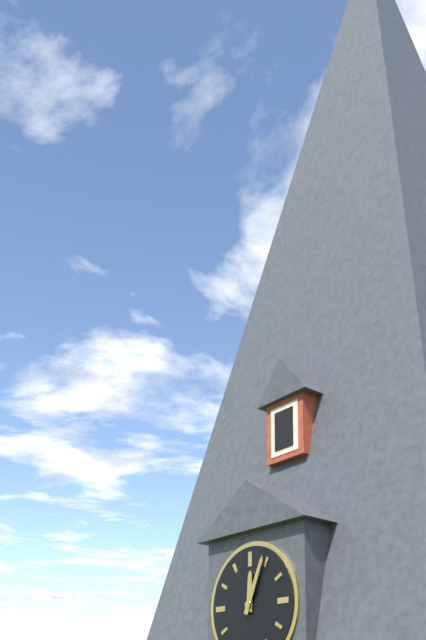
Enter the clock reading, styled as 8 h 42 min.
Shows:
12 h 04 min
